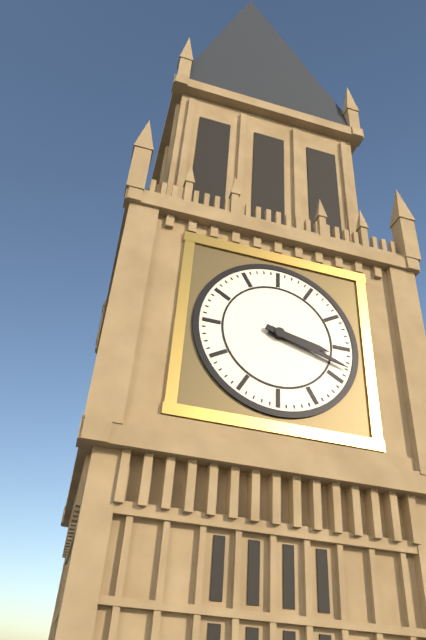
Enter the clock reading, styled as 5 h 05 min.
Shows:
3 h 18 min
